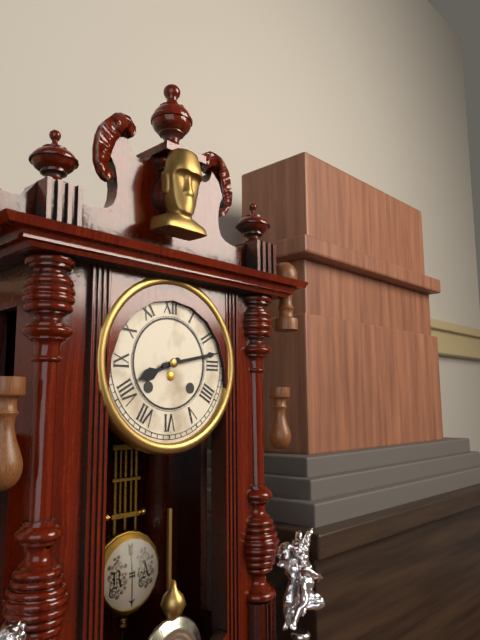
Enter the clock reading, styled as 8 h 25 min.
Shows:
8 h 13 min
